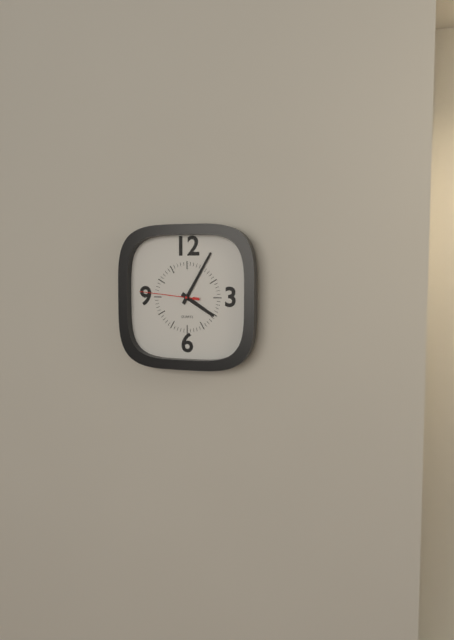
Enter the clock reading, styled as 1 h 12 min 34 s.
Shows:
4 h 05 min 46 s
